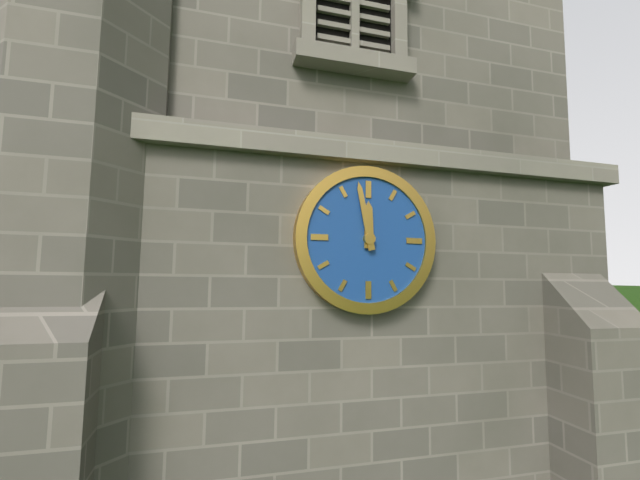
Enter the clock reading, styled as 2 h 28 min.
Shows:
11 h 58 min
